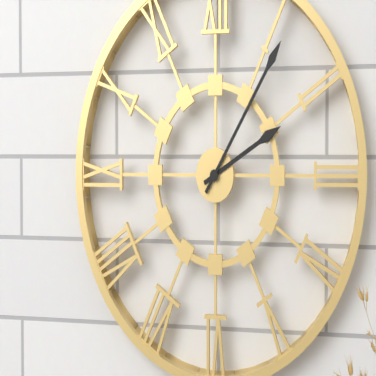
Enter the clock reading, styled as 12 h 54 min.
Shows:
2 h 06 min
